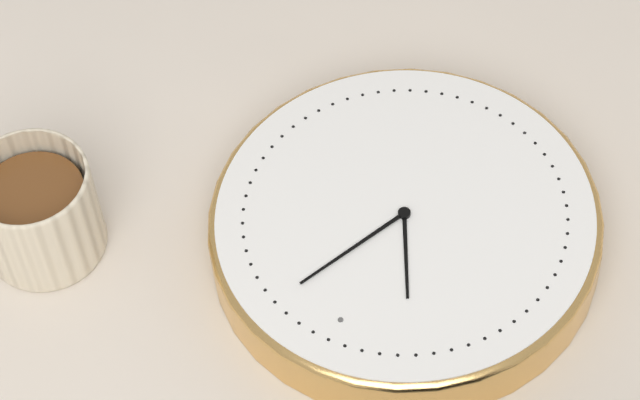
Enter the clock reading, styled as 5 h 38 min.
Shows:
11 h 04 min
